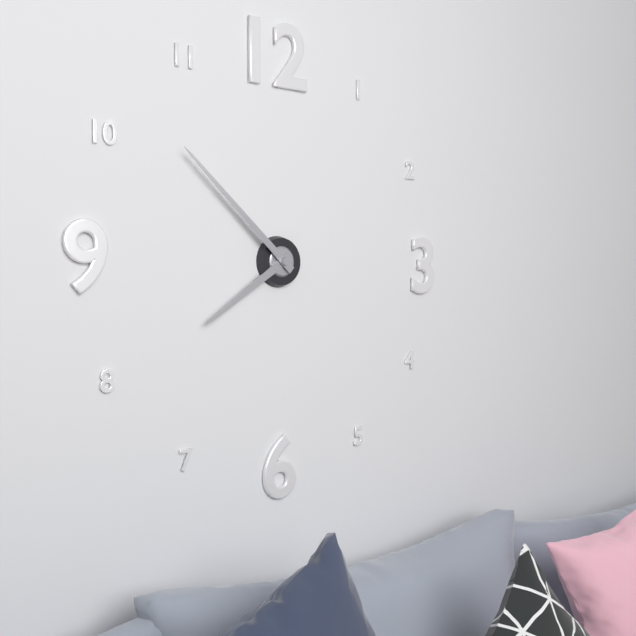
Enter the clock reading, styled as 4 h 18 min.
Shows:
7 h 52 min
